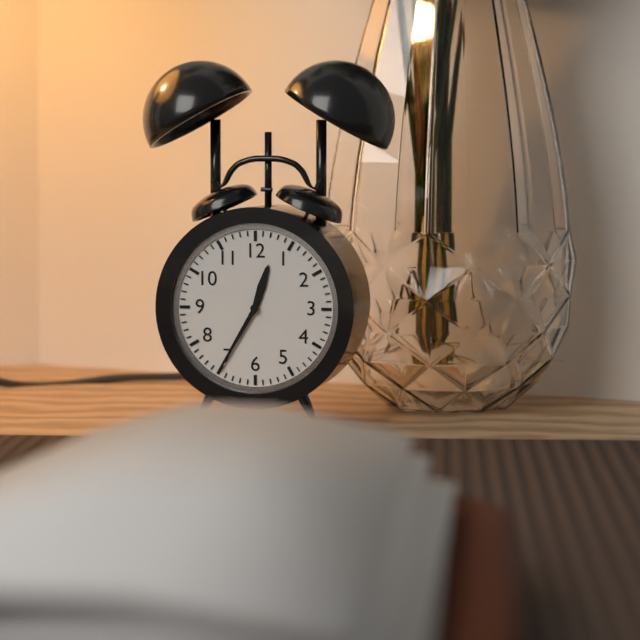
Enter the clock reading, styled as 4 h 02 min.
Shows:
12 h 35 min
